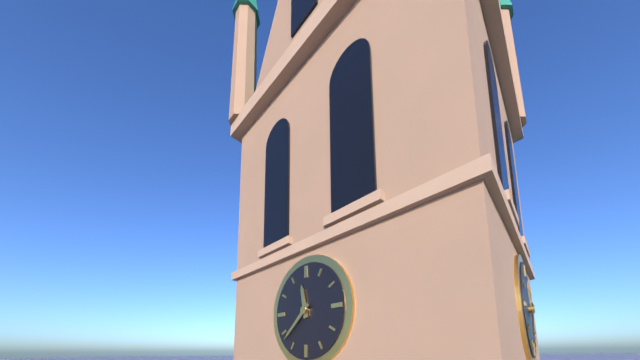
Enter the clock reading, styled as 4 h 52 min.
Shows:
11 h 38 min
